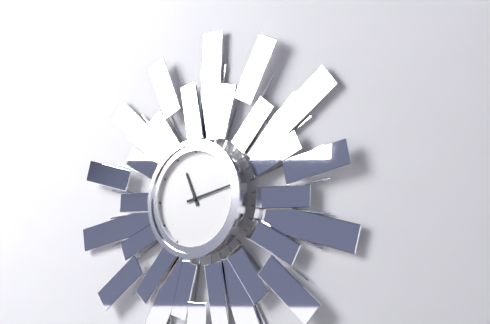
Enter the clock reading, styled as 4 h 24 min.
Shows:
11 h 13 min
